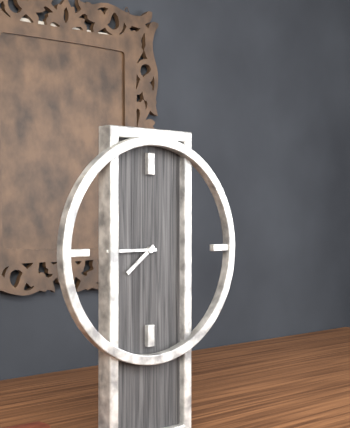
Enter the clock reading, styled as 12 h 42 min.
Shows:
7 h 45 min
